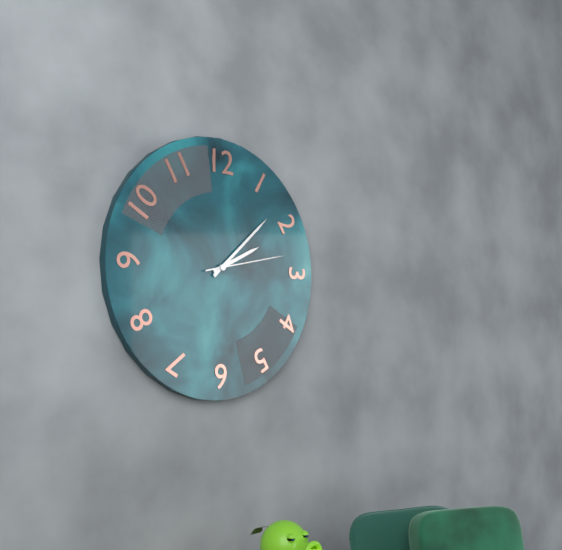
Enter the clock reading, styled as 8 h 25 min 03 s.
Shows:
2 h 08 min 13 s
